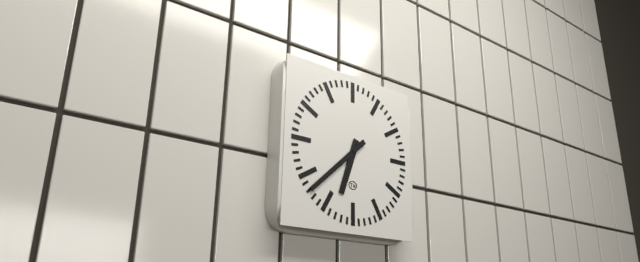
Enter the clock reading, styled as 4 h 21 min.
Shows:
6 h 38 min
